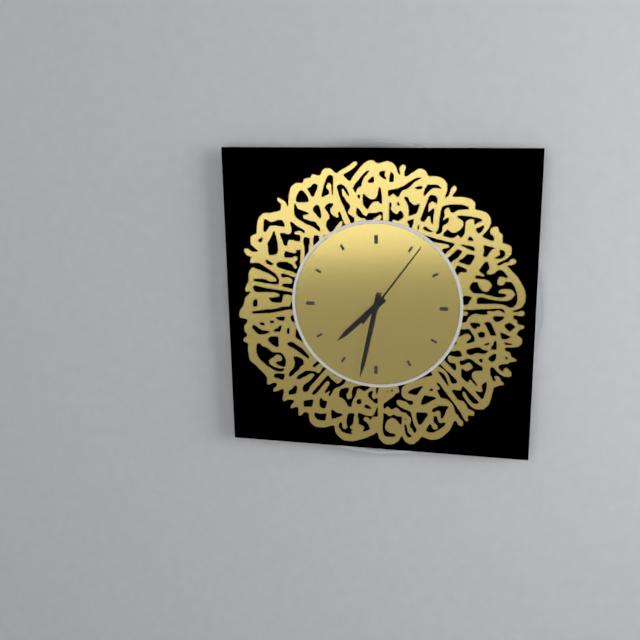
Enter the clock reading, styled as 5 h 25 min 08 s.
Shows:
7 h 32 min 06 s
